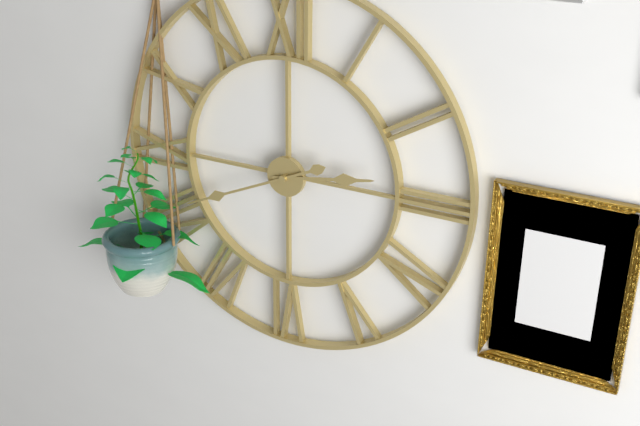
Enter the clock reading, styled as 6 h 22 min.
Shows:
2 h 41 min
